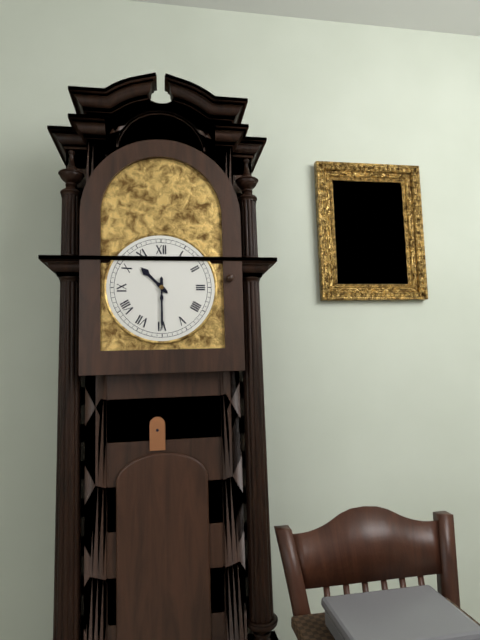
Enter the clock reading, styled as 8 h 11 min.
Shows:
10 h 30 min
